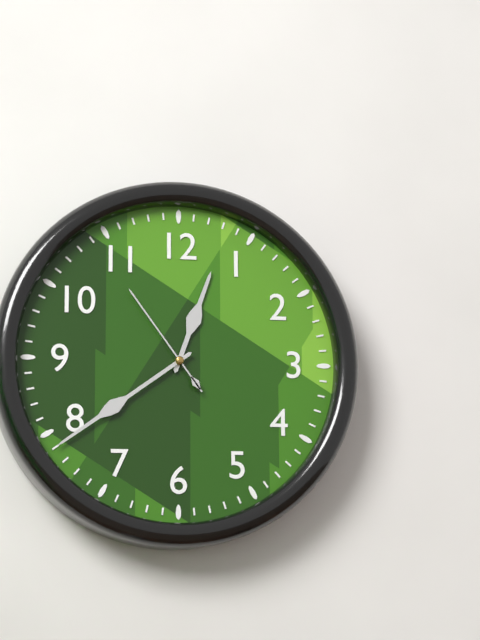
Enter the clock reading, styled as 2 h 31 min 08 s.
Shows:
12 h 39 min 54 s
